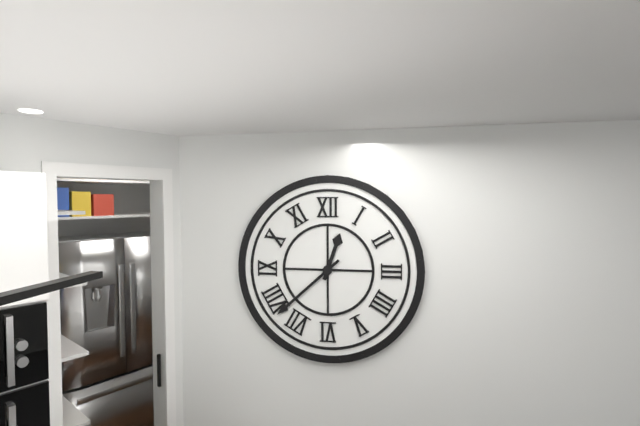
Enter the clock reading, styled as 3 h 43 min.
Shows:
12 h 38 min
